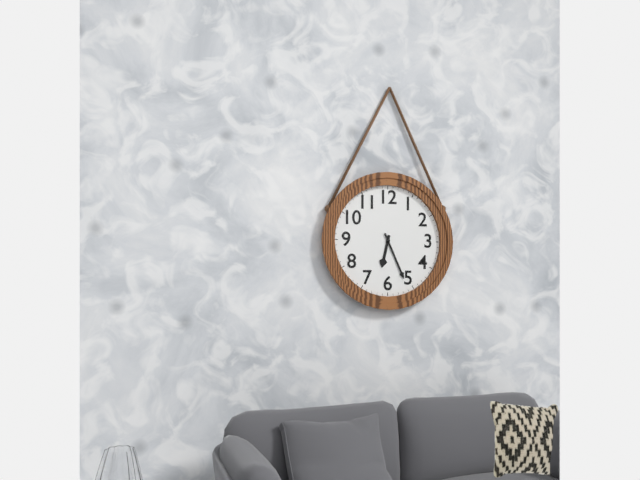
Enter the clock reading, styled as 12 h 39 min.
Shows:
6 h 26 min
